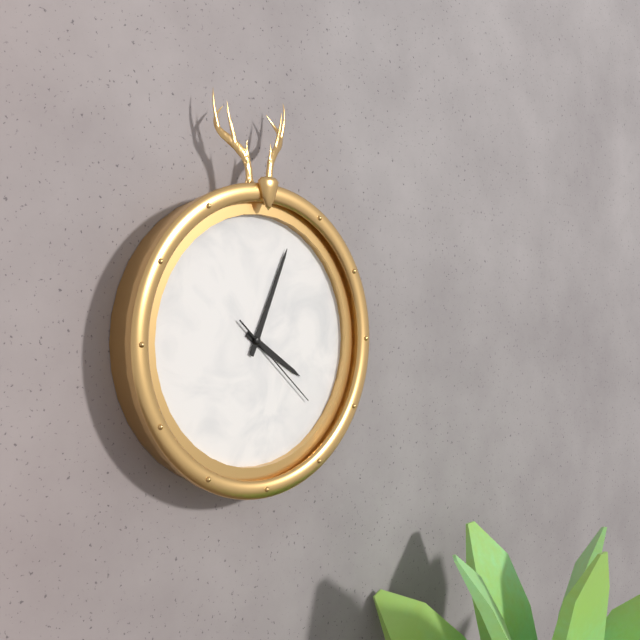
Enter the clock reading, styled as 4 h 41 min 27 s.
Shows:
4 h 04 min 22 s
